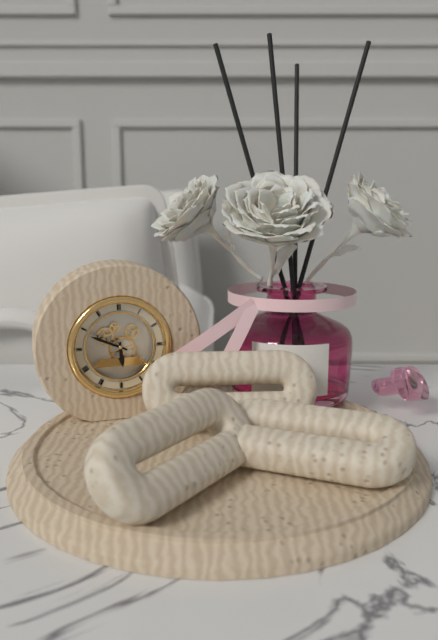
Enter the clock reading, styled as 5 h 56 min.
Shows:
5 h 49 min
